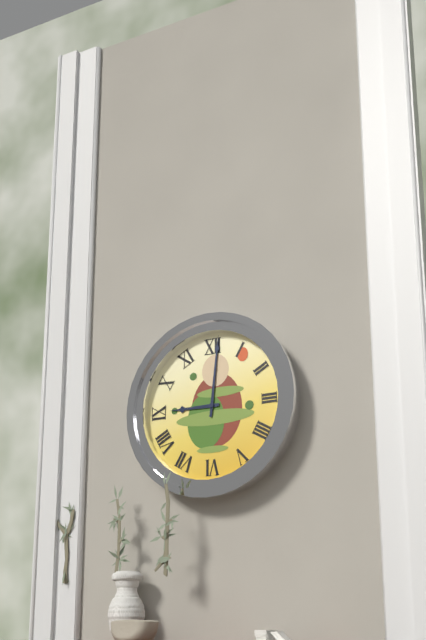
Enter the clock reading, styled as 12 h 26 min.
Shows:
9 h 01 min
